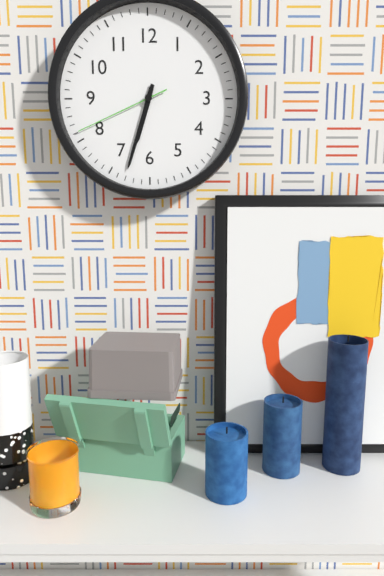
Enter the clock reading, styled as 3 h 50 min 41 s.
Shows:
6 h 33 min 41 s
